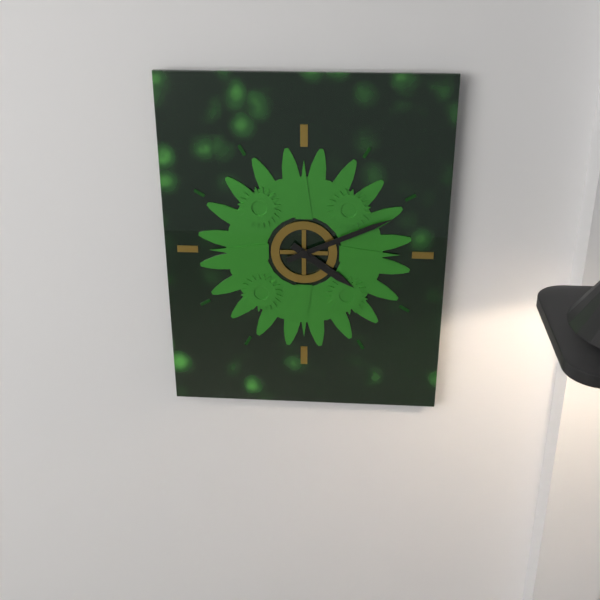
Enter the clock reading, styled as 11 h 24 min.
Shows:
4 h 11 min
